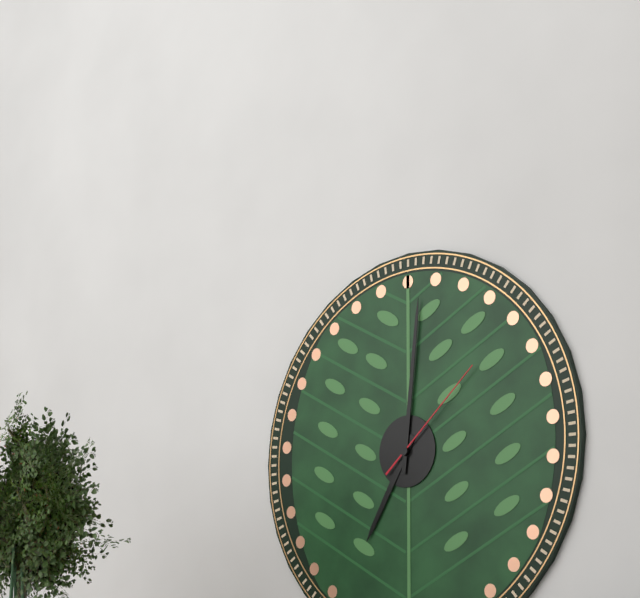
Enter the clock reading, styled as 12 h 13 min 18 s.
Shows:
7 h 01 min 08 s
